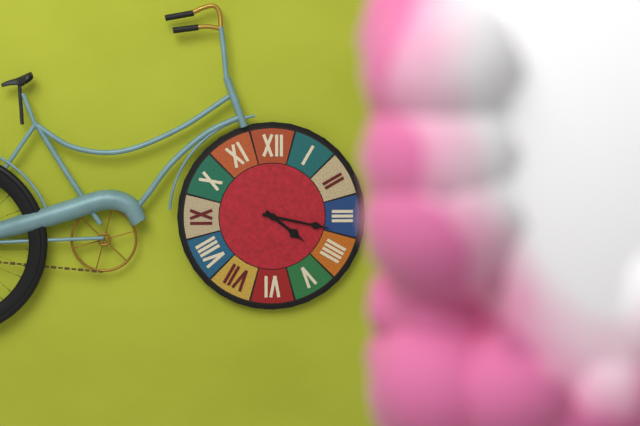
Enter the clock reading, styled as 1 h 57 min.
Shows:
4 h 17 min
